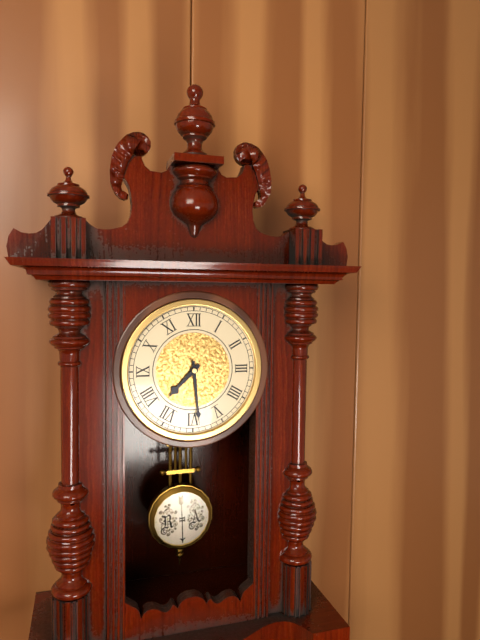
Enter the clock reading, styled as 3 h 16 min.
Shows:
7 h 29 min
